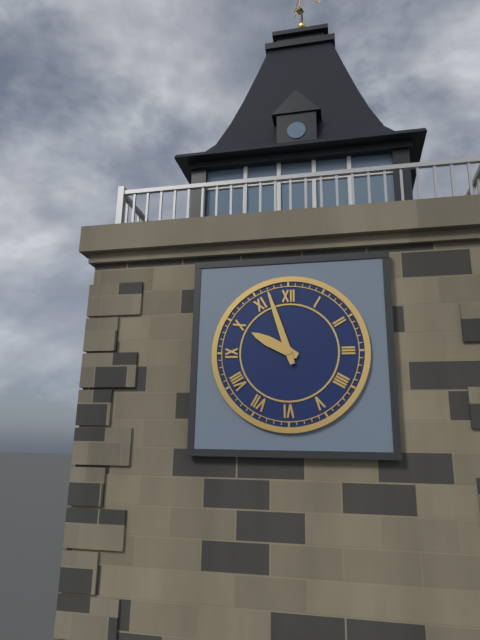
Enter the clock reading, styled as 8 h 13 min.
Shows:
9 h 57 min
